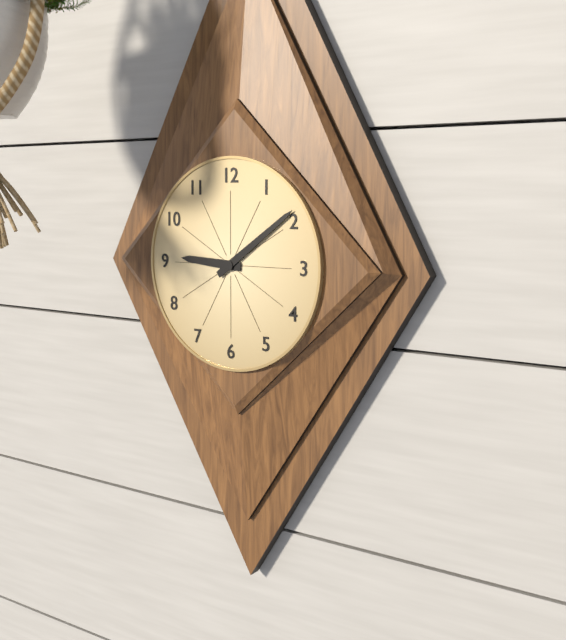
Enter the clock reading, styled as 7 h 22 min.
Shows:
9 h 09 min
